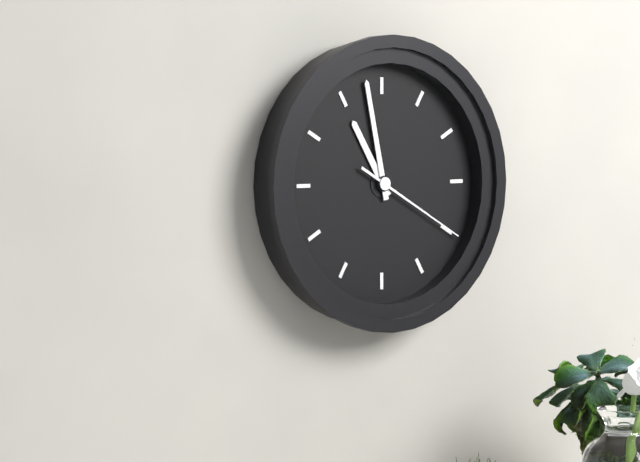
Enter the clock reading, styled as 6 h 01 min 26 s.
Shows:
10 h 58 min 20 s
